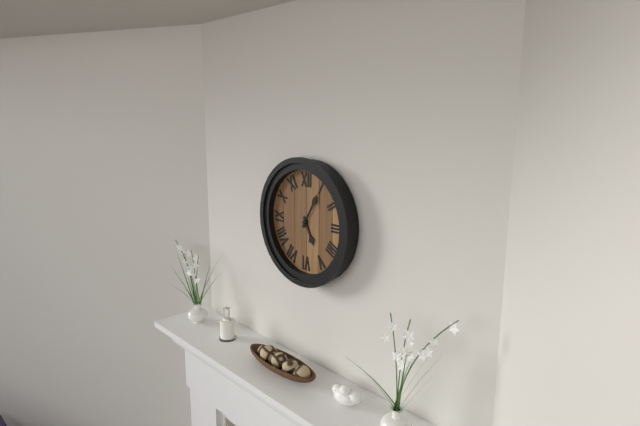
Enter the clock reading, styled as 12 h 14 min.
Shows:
5 h 05 min
